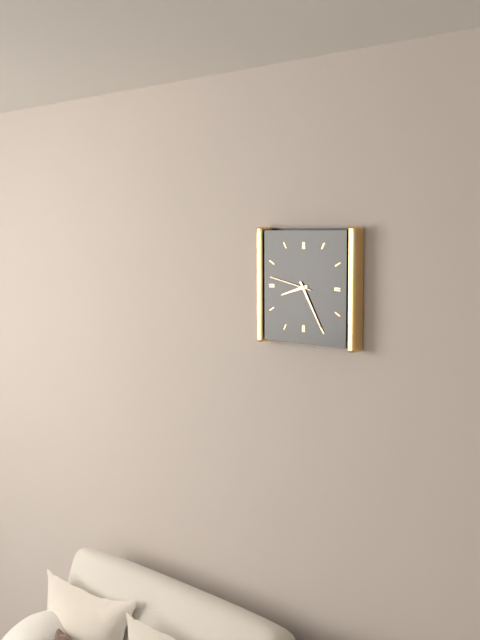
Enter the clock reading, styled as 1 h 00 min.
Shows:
8 h 25 min
